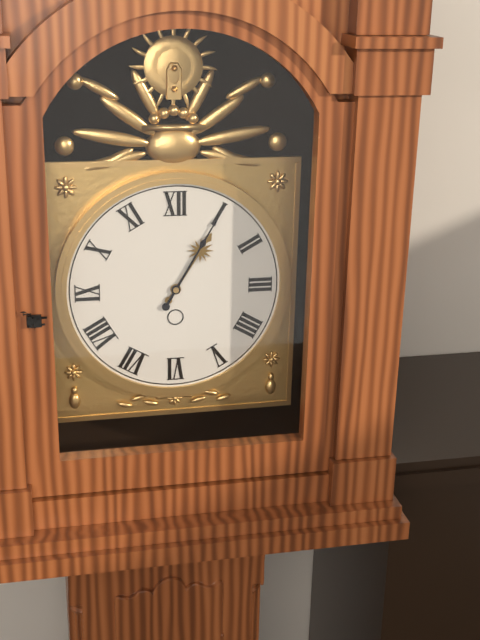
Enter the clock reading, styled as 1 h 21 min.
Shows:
1 h 05 min
